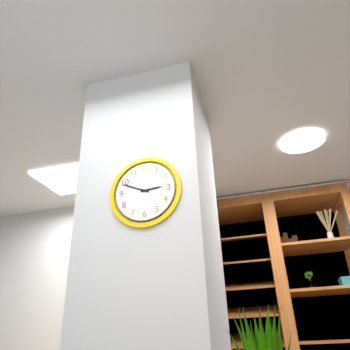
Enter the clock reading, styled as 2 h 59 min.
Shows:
2 h 49 min
